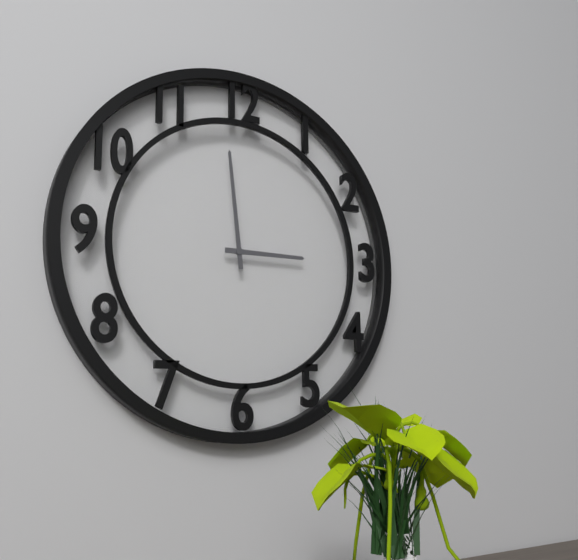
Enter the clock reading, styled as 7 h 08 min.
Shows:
2 h 59 min
